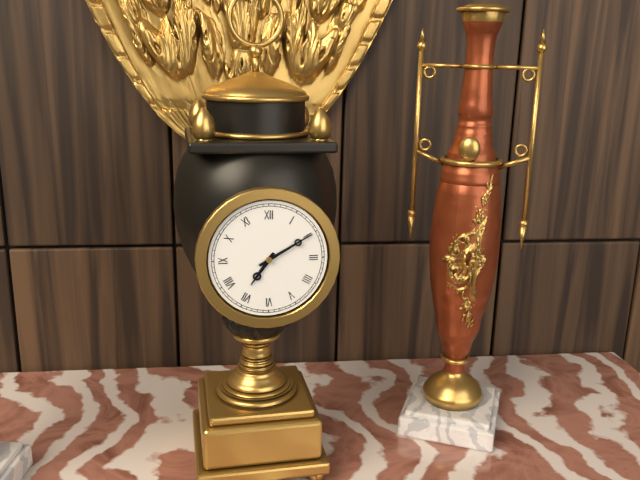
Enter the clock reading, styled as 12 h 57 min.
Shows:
7 h 10 min
